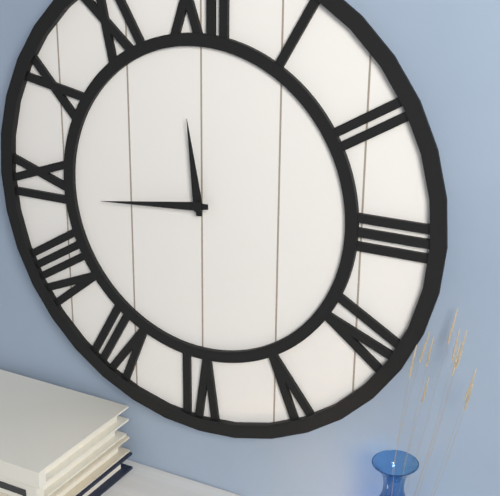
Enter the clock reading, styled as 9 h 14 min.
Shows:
11 h 44 min
